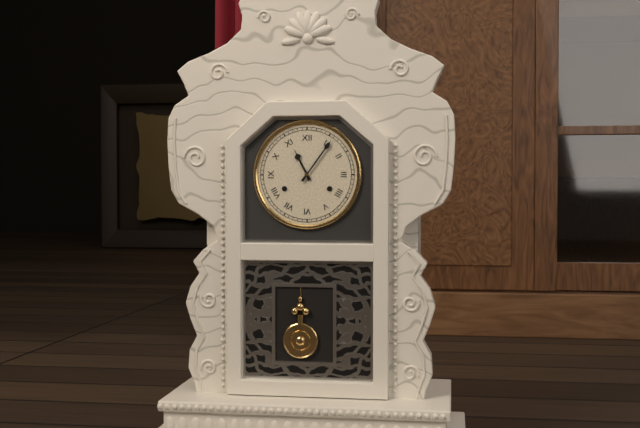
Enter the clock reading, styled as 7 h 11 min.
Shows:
11 h 06 min
